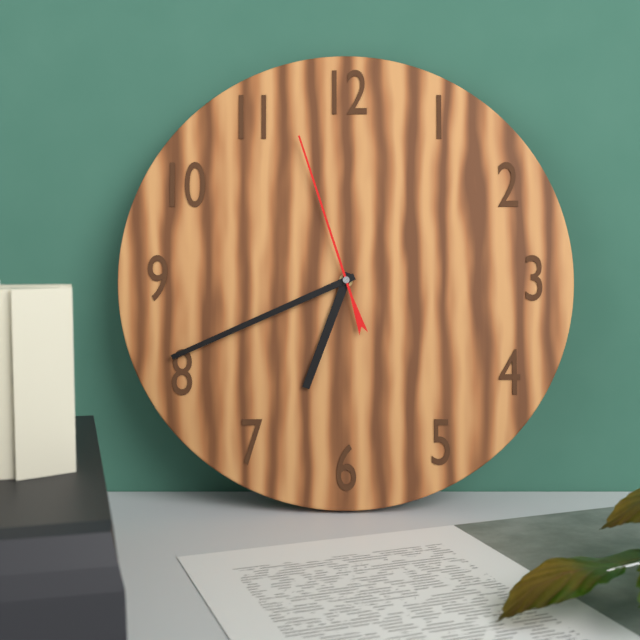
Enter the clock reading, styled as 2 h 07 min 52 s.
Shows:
6 h 41 min 57 s
